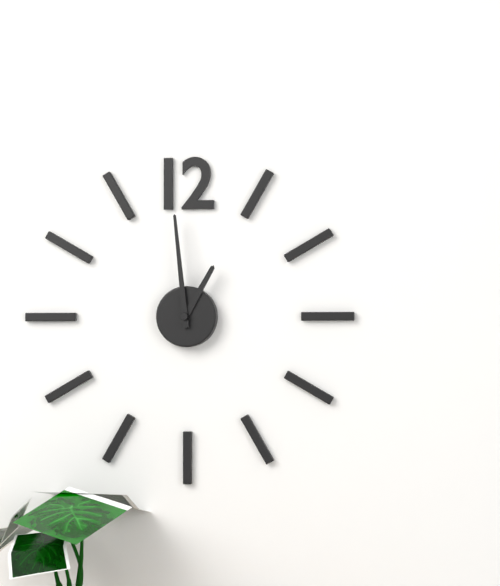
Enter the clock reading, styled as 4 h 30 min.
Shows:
12 h 59 min
